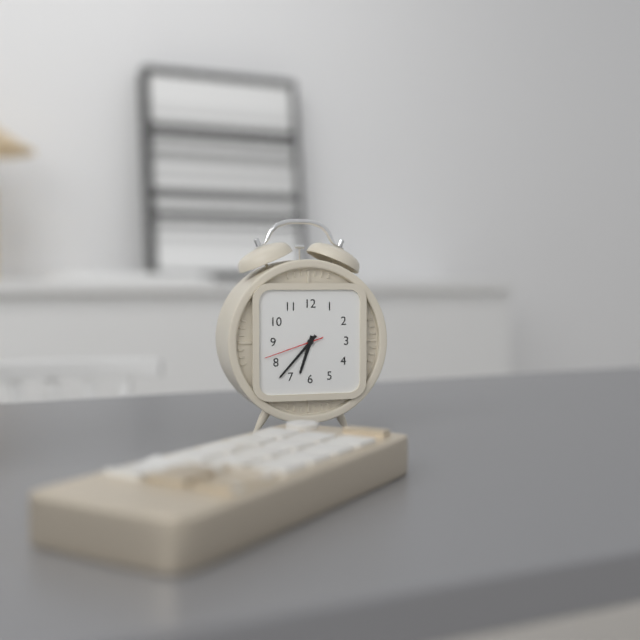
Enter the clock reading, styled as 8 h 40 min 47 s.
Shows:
6 h 37 min 42 s
